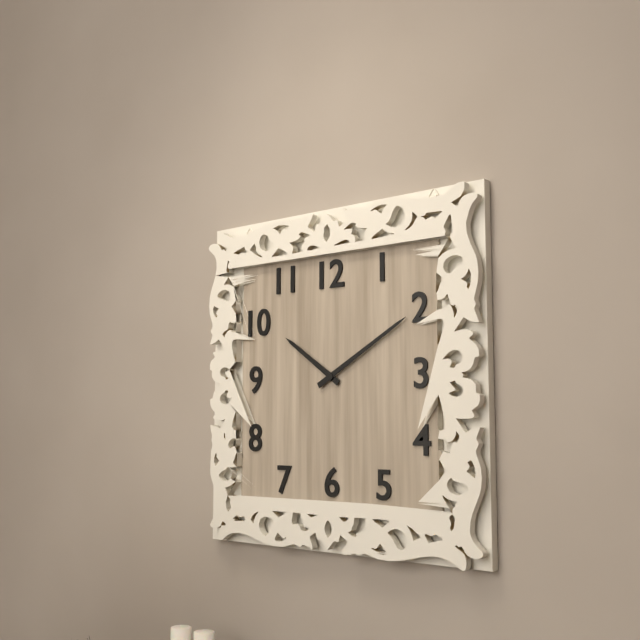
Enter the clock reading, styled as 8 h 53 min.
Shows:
10 h 10 min
